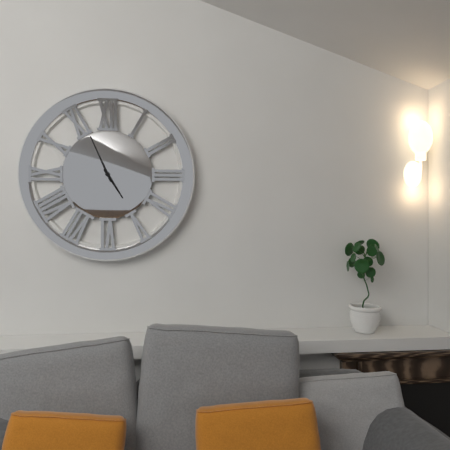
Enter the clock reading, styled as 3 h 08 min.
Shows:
4 h 56 min
